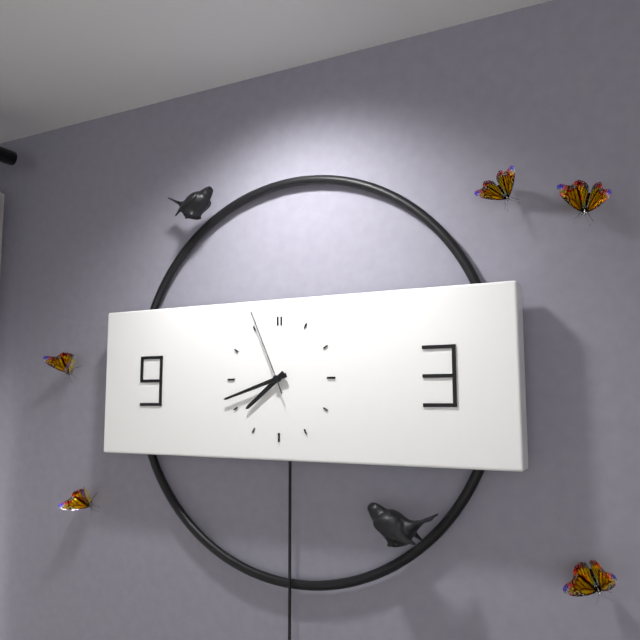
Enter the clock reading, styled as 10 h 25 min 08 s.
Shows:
7 h 42 min 56 s
